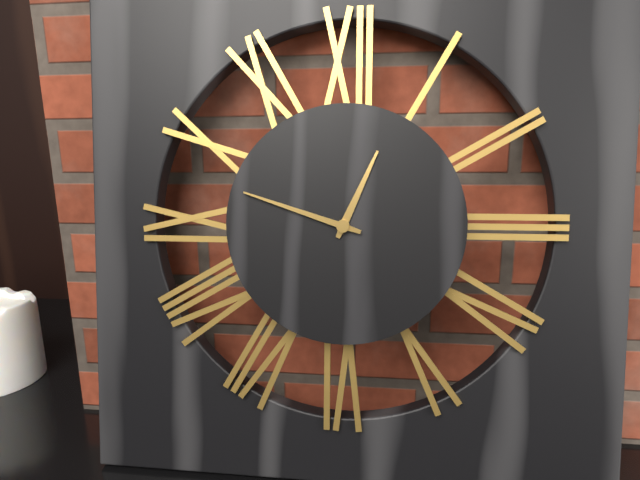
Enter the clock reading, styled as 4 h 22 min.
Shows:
12 h 48 min
